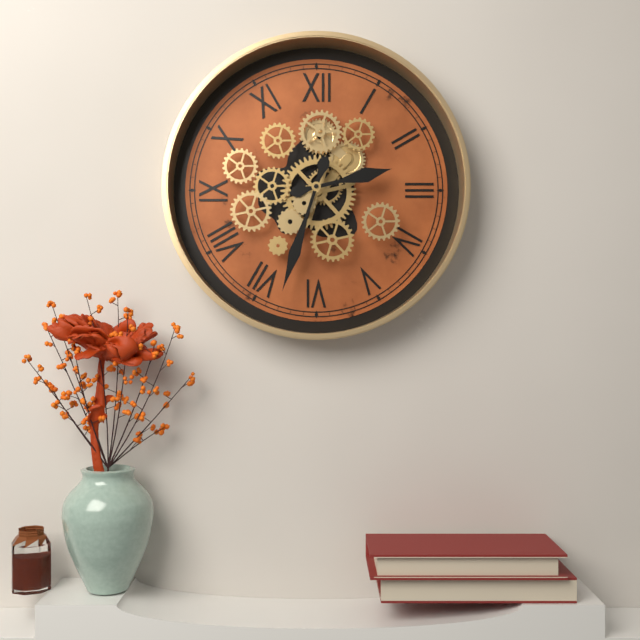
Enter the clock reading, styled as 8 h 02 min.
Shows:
2 h 33 min
